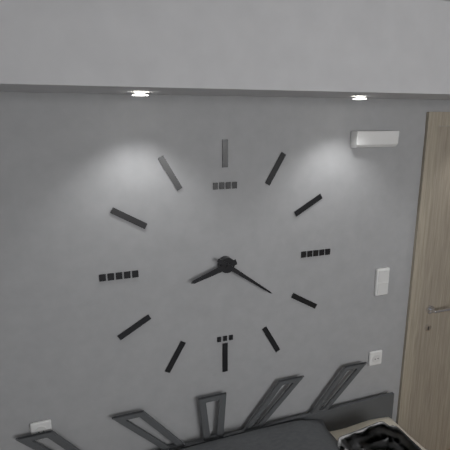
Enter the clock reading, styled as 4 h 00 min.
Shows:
8 h 21 min
